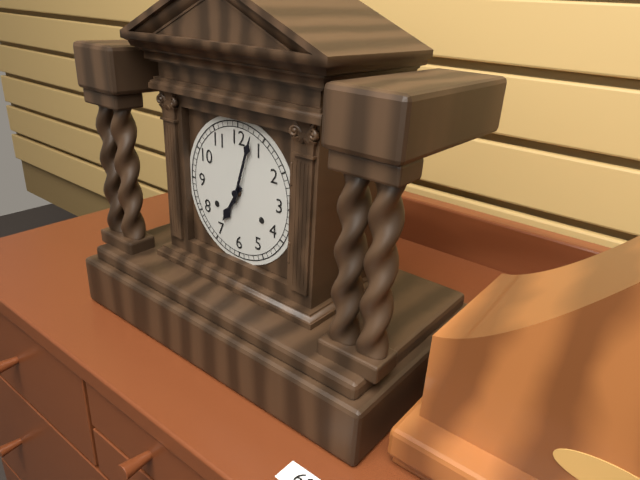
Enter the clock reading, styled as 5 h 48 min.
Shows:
7 h 03 min
